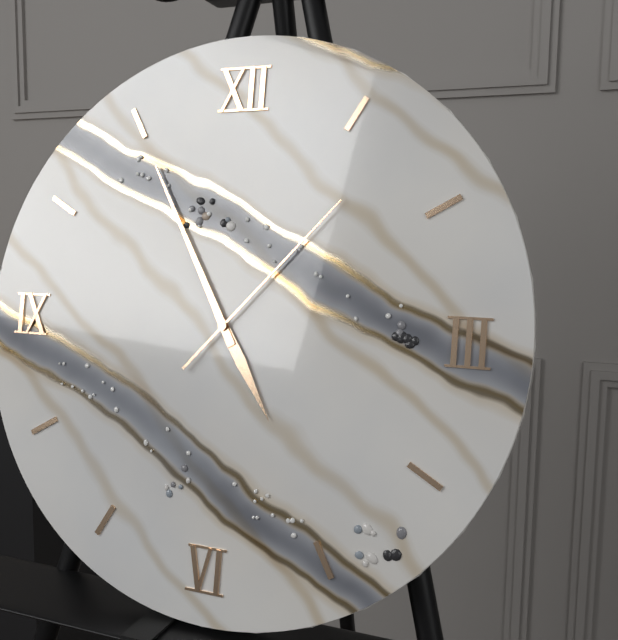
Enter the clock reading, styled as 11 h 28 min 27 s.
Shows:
4 h 55 min 07 s
